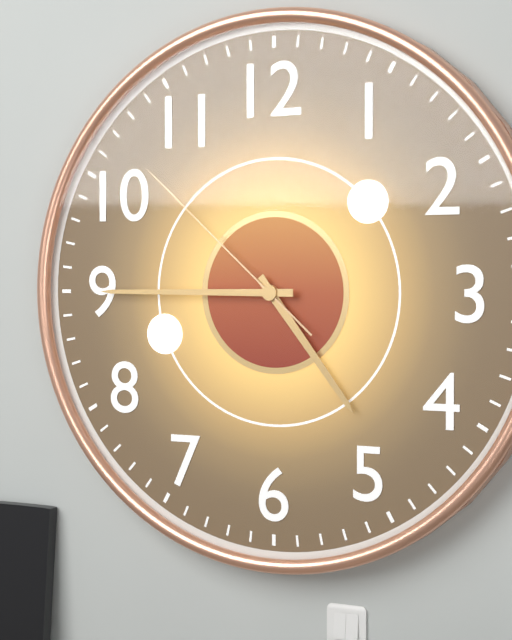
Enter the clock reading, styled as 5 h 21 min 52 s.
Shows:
4 h 45 min 52 s
